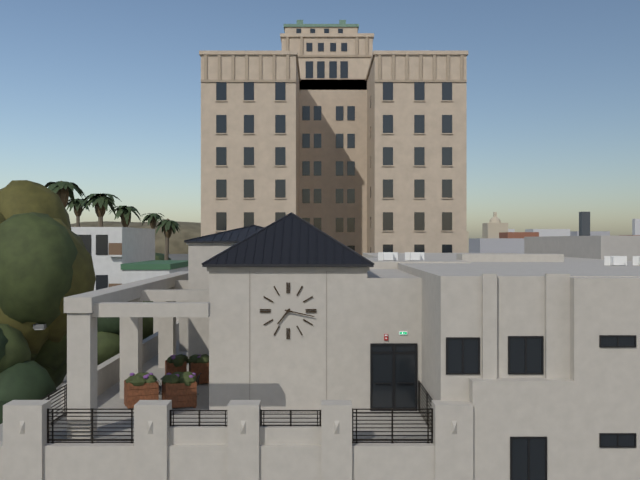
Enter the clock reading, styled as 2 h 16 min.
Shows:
7 h 17 min
